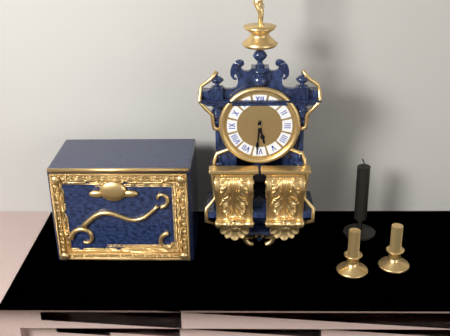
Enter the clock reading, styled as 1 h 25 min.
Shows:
5 h 31 min
